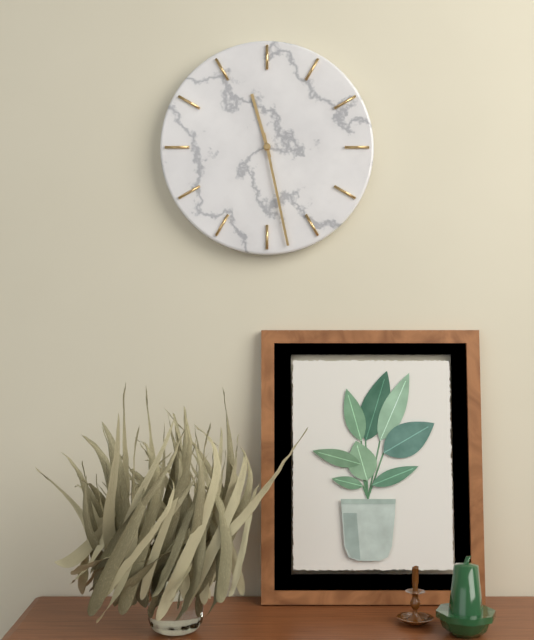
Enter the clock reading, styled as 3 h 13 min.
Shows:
11 h 28 min
